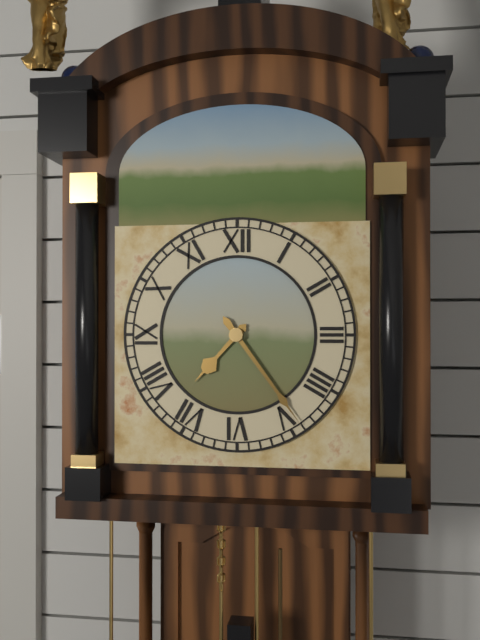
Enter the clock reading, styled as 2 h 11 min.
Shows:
7 h 24 min
